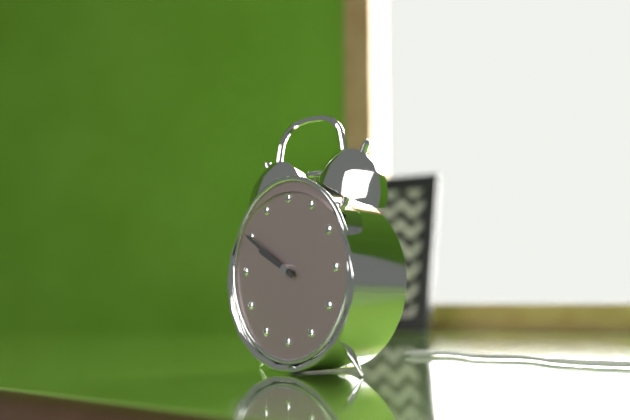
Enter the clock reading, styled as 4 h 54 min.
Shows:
9 h 50 min
